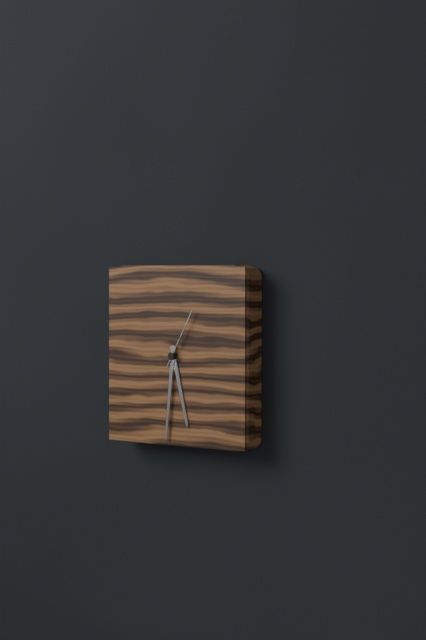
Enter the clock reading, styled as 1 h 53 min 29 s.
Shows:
5 h 31 min 05 s
